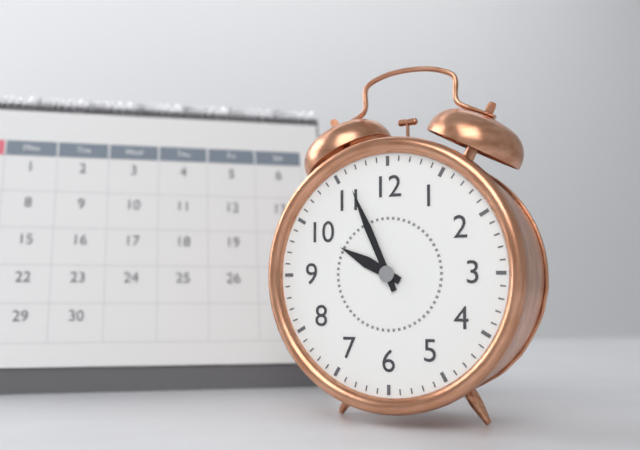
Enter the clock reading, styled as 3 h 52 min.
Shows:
9 h 56 min
